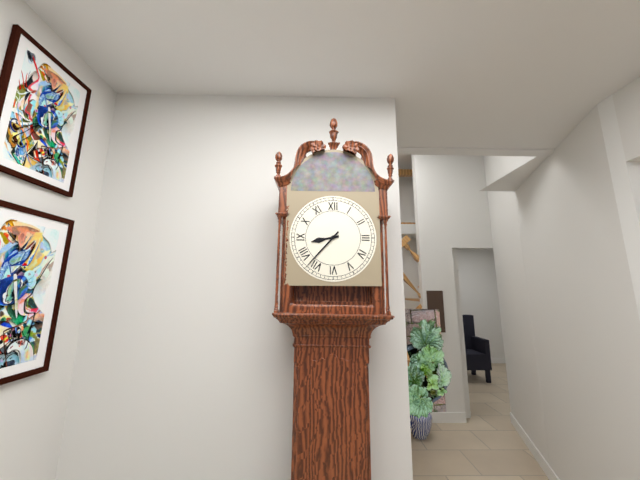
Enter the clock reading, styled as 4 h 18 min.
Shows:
8 h 37 min
